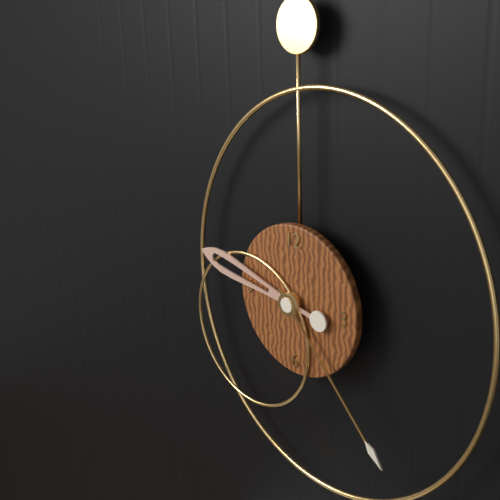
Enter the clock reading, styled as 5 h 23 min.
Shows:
9 h 23 min
